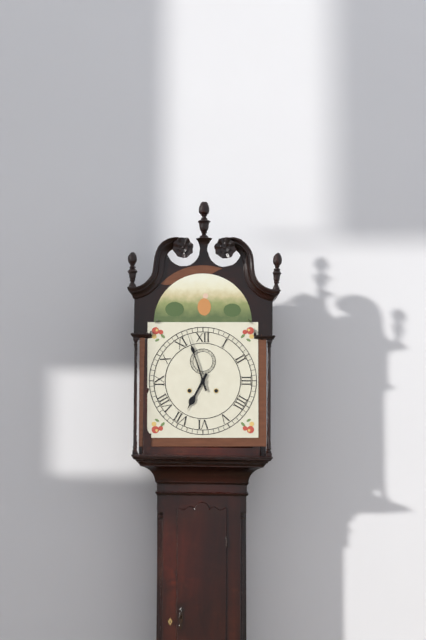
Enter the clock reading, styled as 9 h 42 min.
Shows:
6 h 57 min
